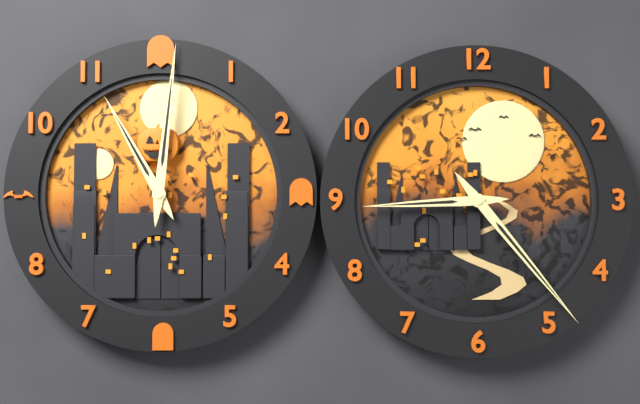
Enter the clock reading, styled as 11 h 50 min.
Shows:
11 h 01 min
